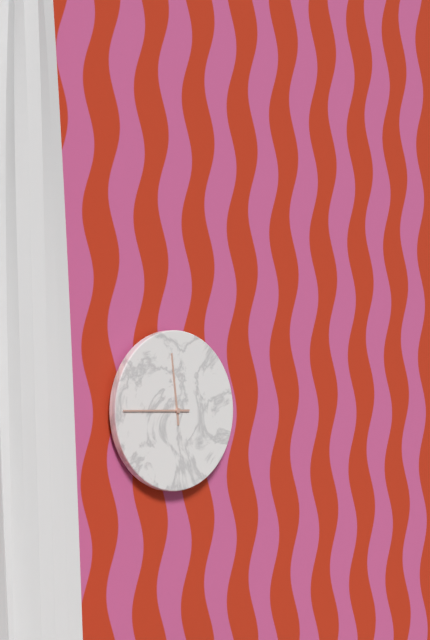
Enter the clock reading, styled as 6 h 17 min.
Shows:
11 h 45 min
